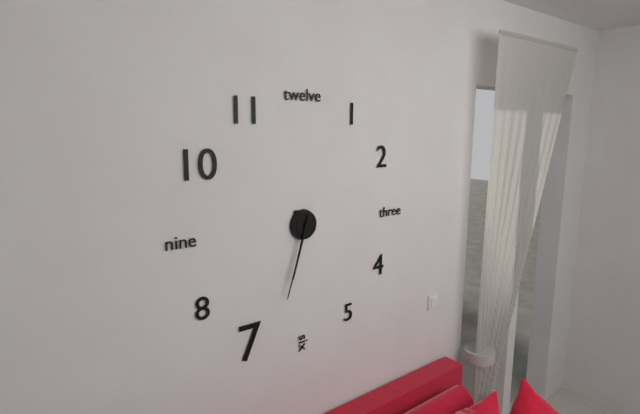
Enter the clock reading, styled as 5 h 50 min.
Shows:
6 h 33 min
